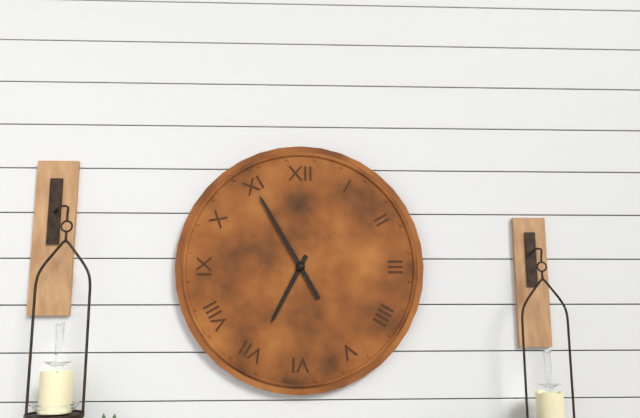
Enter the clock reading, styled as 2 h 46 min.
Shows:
6 h 55 min
